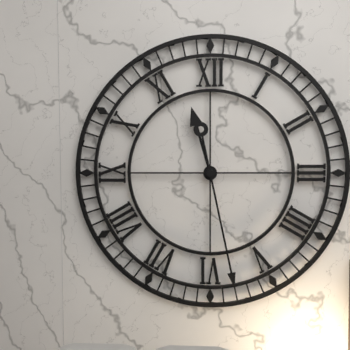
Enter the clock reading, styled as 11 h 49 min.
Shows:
11 h 28 min
